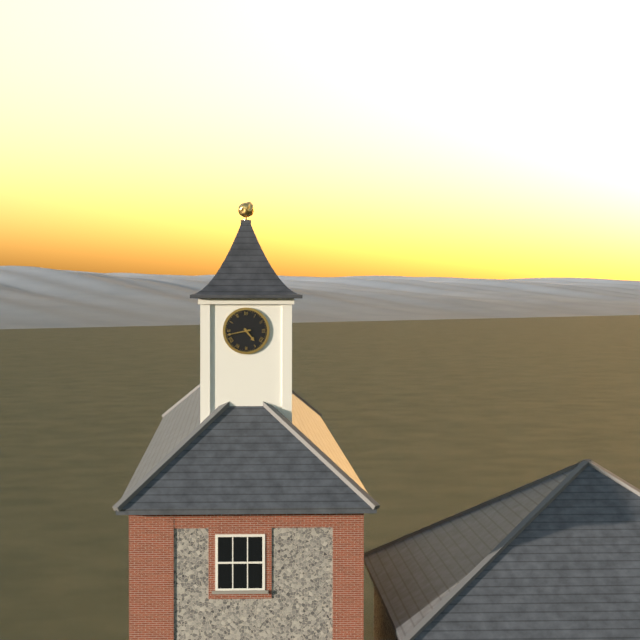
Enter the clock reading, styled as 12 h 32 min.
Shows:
4 h 43 min
